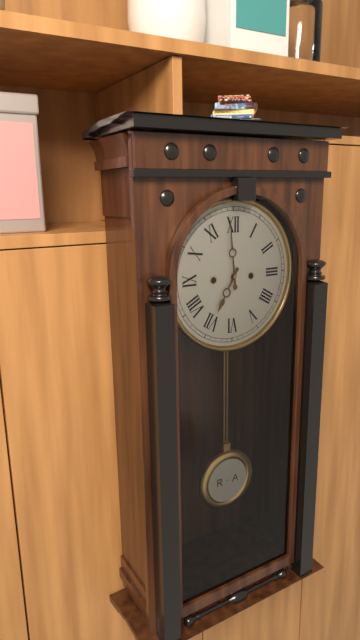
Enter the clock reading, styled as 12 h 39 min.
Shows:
6 h 59 min
